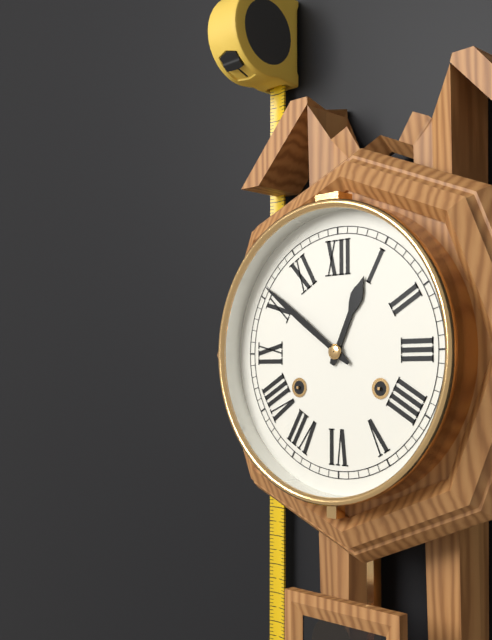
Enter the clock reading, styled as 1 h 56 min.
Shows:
12 h 51 min
